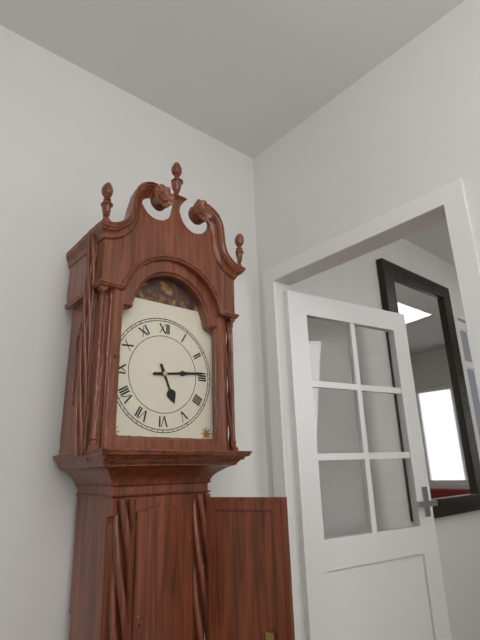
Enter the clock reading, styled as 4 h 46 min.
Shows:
5 h 14 min
